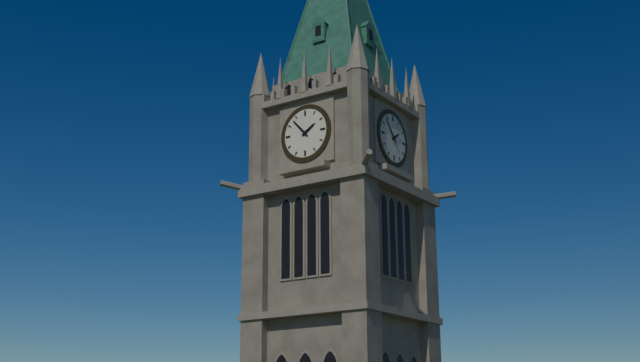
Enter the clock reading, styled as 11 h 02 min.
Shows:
1 h 53 min
